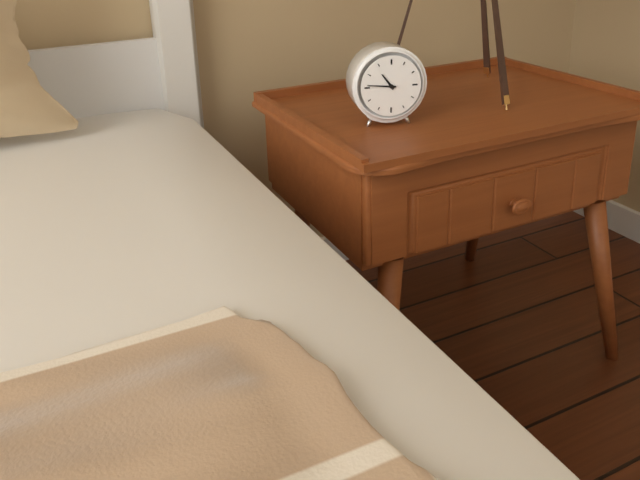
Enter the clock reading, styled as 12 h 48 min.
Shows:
10 h 46 min
